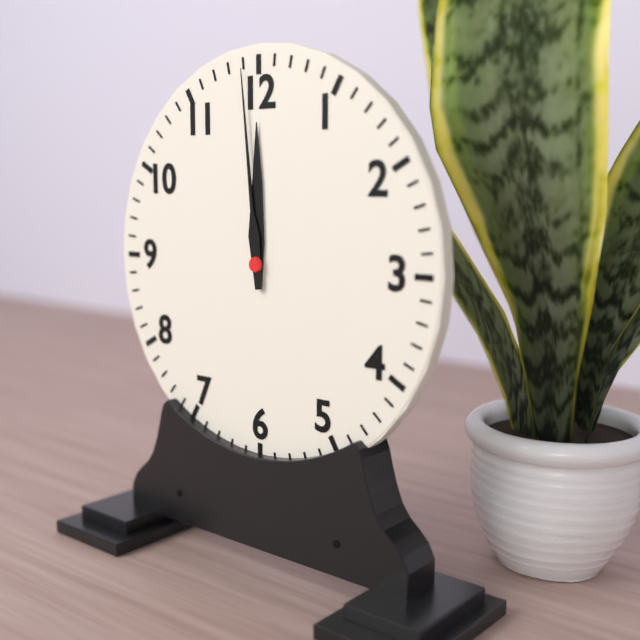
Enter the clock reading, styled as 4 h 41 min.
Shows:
11 h 59 min
